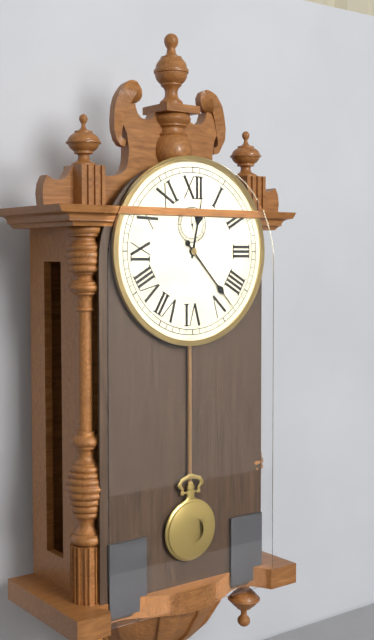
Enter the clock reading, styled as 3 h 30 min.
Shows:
12 h 23 min
